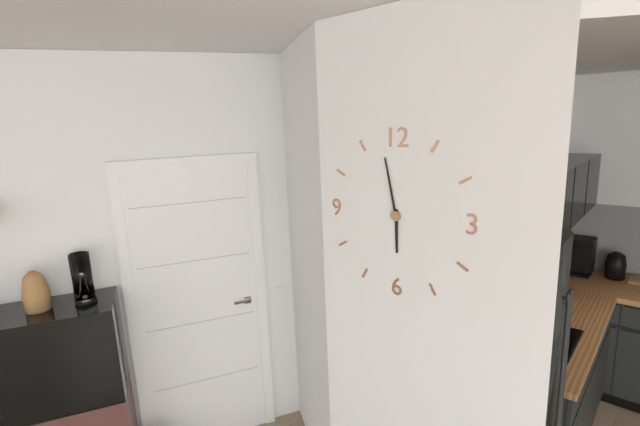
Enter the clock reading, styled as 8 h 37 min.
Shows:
5 h 58 min
